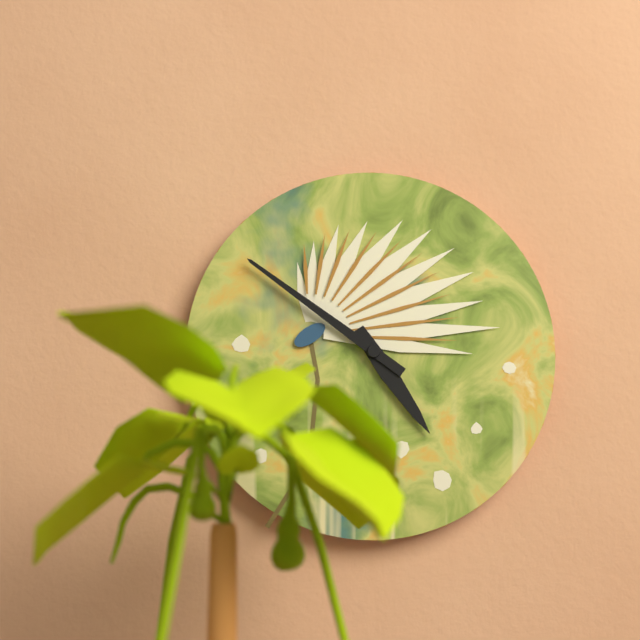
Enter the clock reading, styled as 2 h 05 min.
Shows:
4 h 51 min
